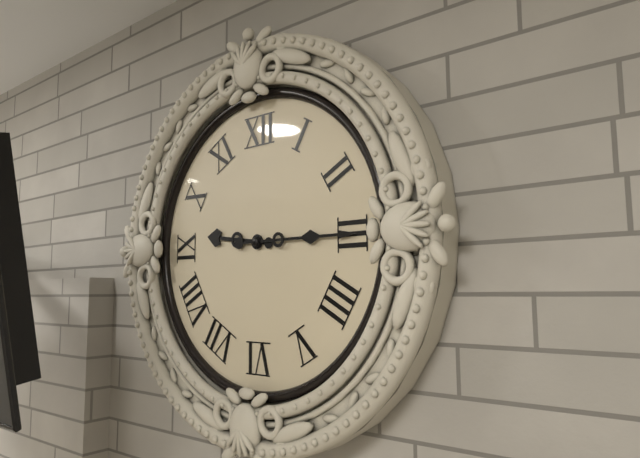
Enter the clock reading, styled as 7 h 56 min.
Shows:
9 h 15 min
